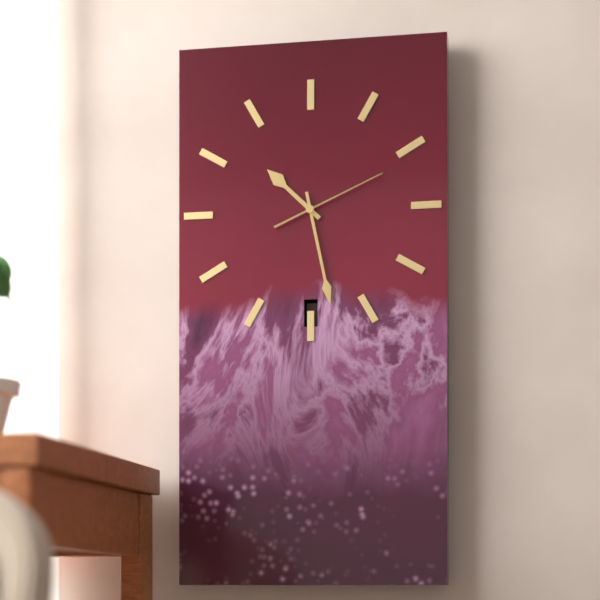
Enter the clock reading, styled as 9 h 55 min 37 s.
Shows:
10 h 28 min 11 s
